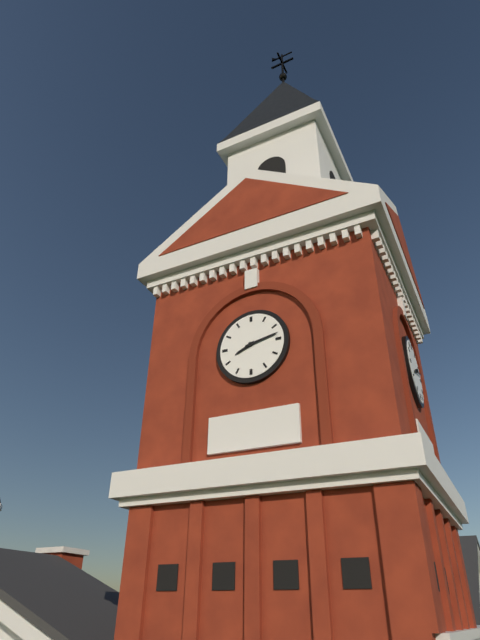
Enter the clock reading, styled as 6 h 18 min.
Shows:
8 h 13 min
